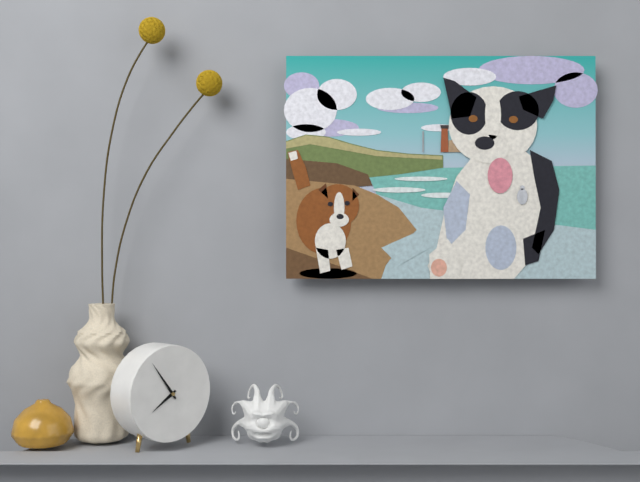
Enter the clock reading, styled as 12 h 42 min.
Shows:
7 h 54 min
